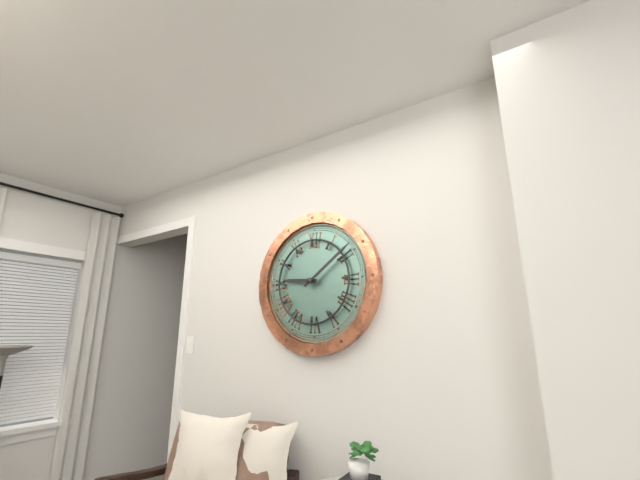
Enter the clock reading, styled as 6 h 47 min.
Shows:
9 h 09 min
